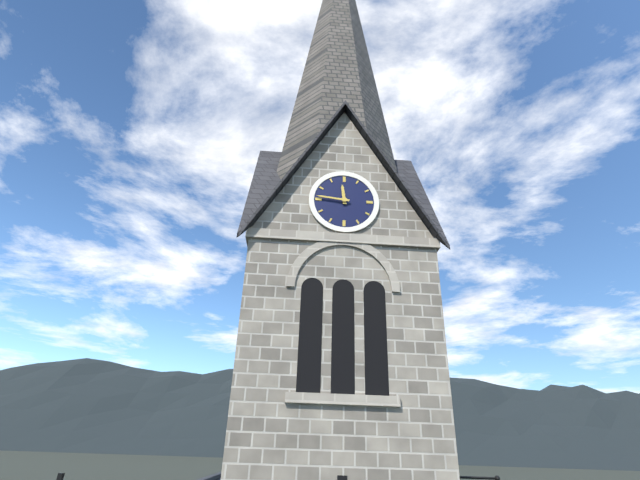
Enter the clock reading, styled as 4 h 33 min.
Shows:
11 h 46 min
